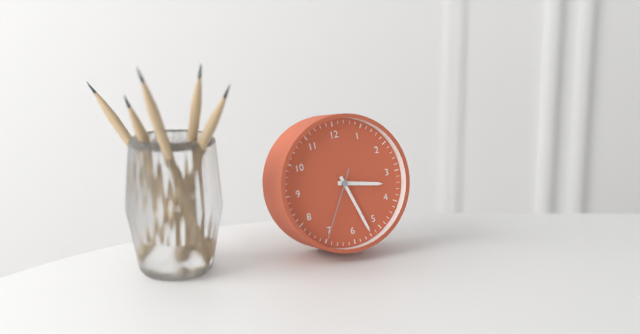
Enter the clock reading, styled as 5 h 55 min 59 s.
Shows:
3 h 27 min 35 s
